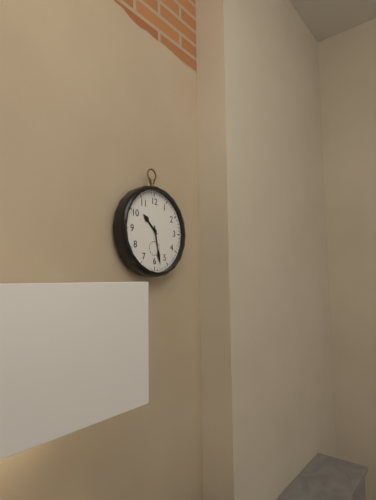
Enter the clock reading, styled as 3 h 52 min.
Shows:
10 h 28 min
